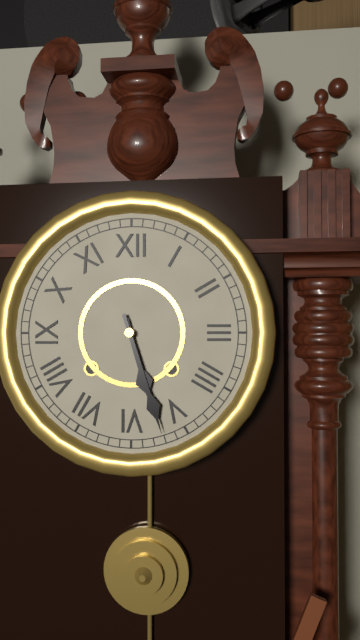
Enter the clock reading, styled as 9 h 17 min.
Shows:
5 h 27 min
